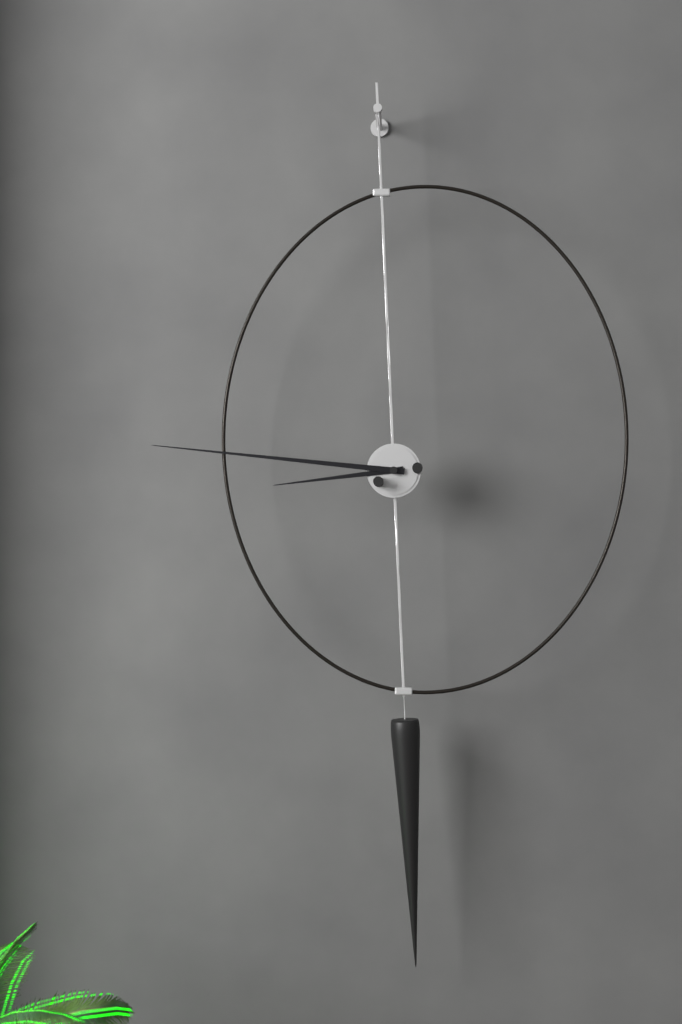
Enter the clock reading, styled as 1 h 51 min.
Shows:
8 h 46 min
